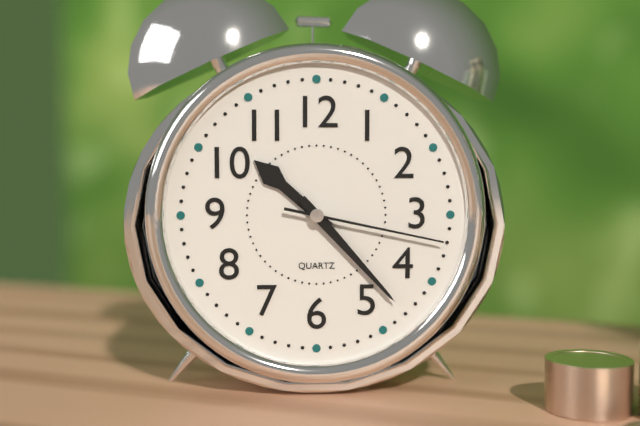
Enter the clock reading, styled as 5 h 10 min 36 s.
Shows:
10 h 23 min 17 s
